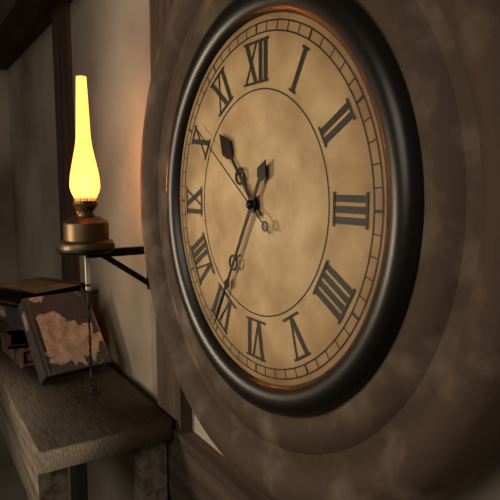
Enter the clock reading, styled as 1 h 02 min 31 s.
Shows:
10 h 35 min 51 s
